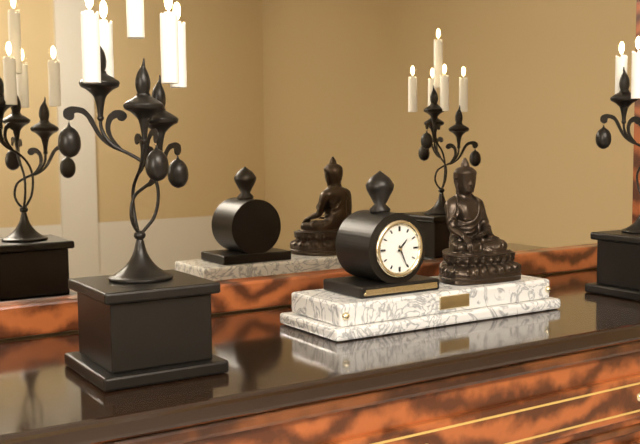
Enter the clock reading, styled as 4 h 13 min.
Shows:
1 h 26 min
